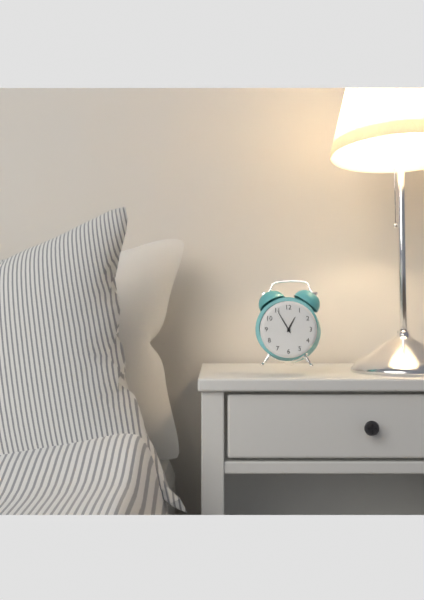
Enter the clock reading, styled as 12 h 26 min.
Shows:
12 h 55 min
